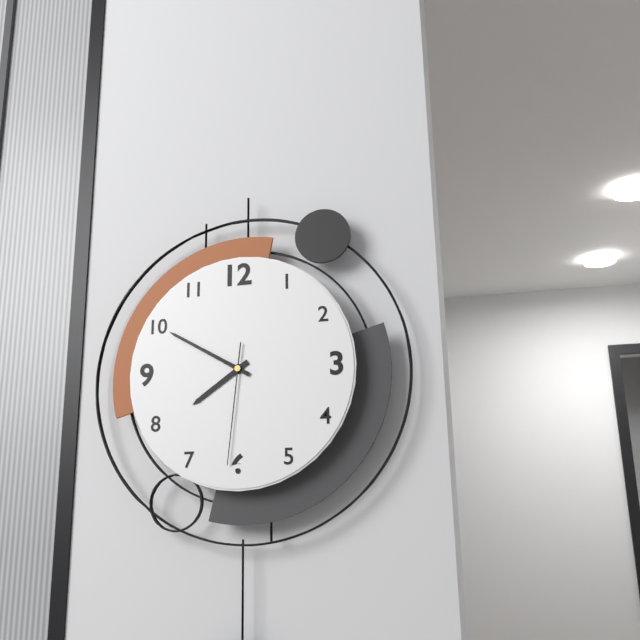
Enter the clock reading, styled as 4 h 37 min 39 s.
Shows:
7 h 50 min 31 s
